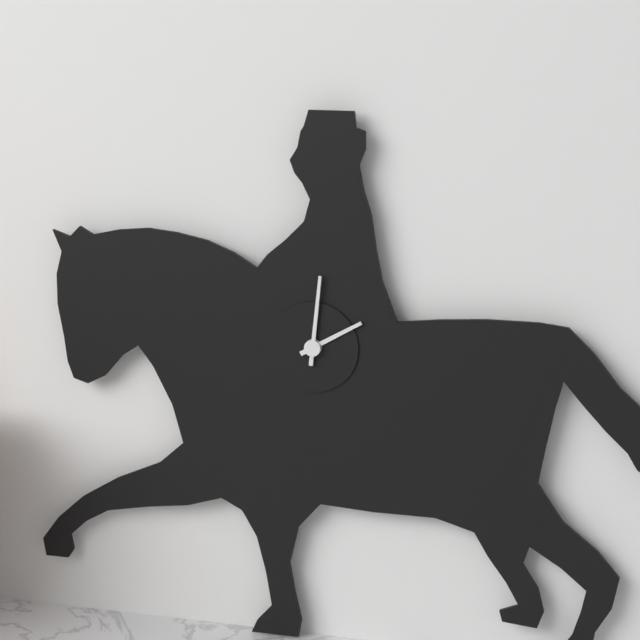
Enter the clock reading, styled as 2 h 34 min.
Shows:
2 h 01 min
